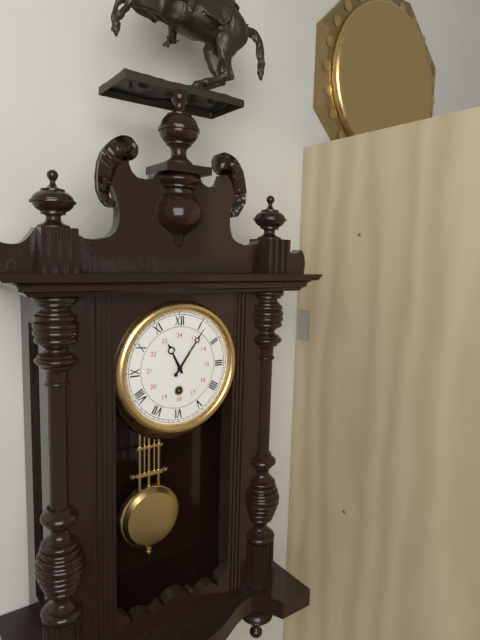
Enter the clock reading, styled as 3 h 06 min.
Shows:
11 h 06 min
